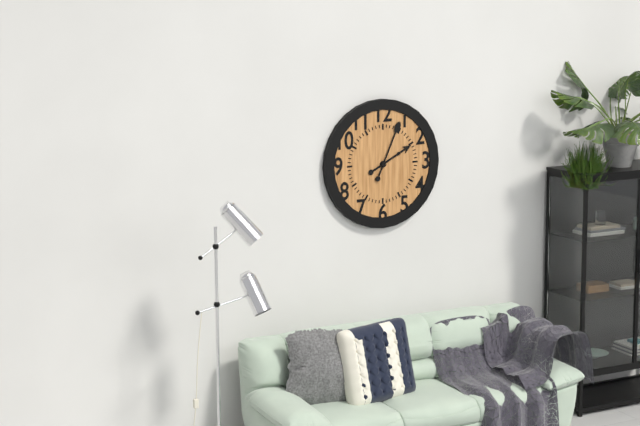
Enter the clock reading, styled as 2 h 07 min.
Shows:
2 h 04 min
